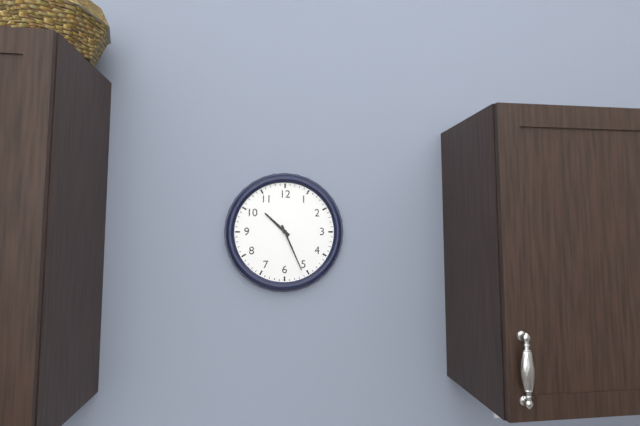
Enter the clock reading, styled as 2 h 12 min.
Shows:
10 h 26 min
